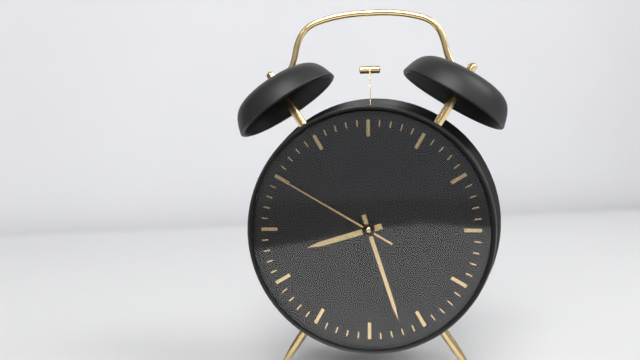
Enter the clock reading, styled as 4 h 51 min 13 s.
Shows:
8 h 27 min 50 s
